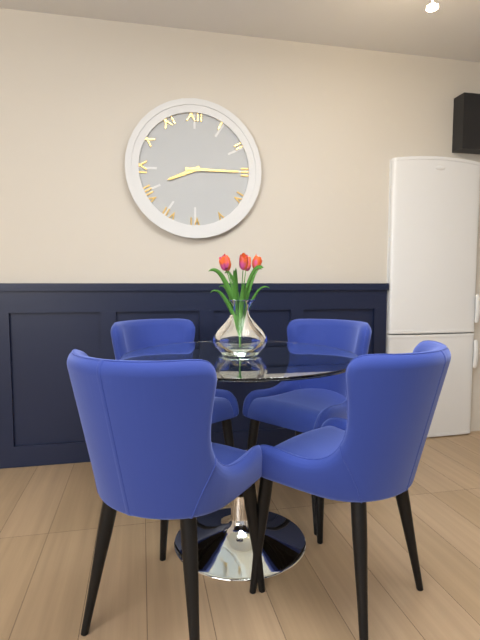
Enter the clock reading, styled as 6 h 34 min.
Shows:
8 h 15 min
